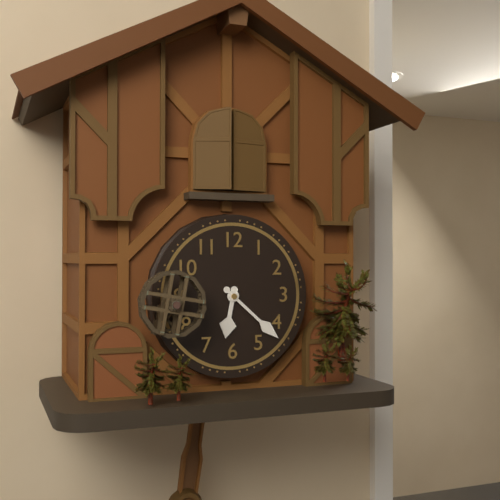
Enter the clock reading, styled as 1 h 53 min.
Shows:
6 h 22 min
